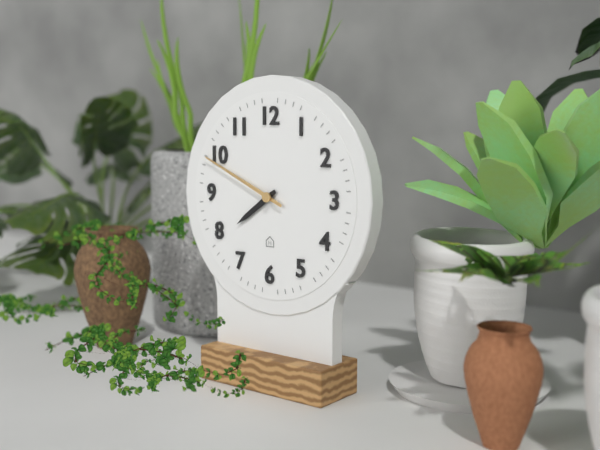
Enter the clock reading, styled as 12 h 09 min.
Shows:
7 h 49 min
